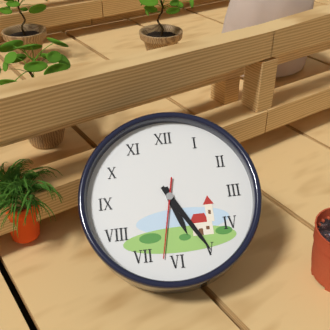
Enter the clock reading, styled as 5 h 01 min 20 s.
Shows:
5 h 25 min 32 s
